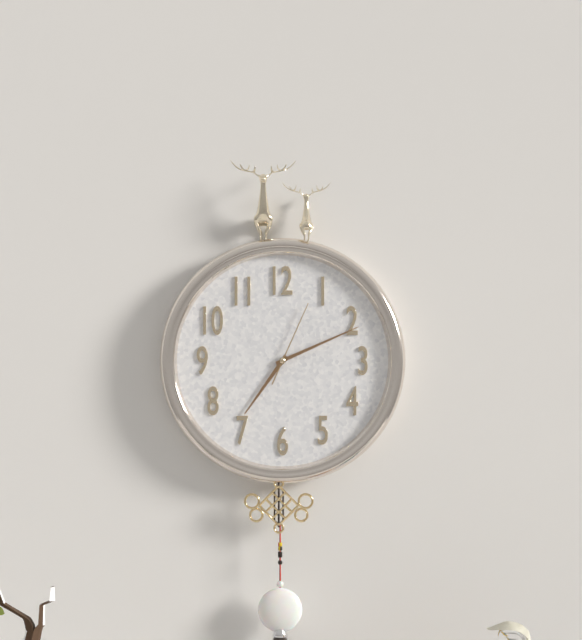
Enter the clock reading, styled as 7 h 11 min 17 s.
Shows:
7 h 11 min 04 s
